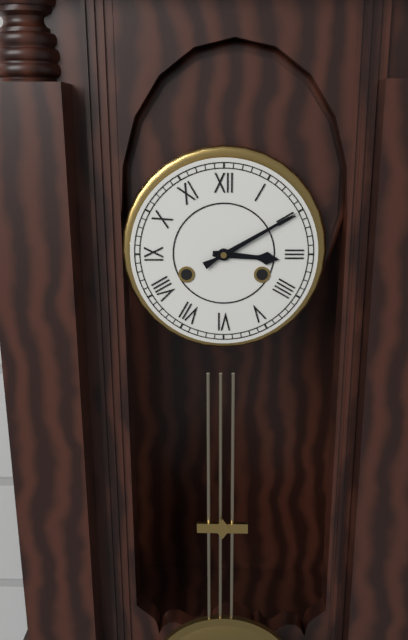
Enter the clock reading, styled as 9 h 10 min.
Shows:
3 h 10 min
